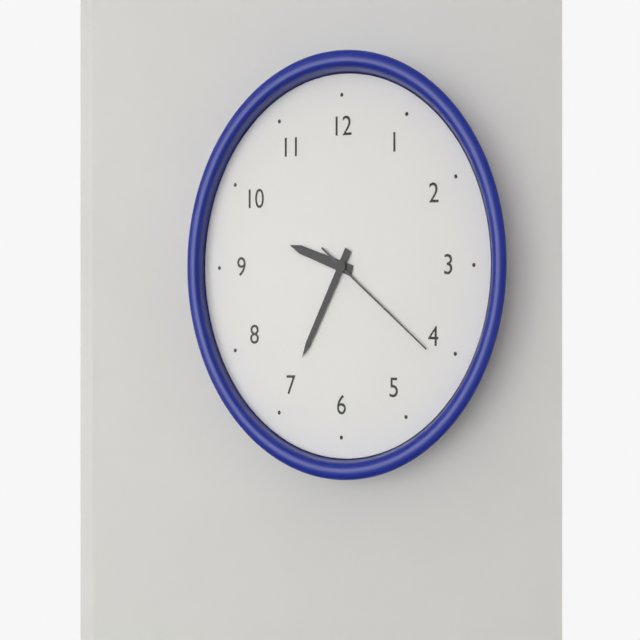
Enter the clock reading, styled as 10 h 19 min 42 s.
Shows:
9 h 35 min 21 s
